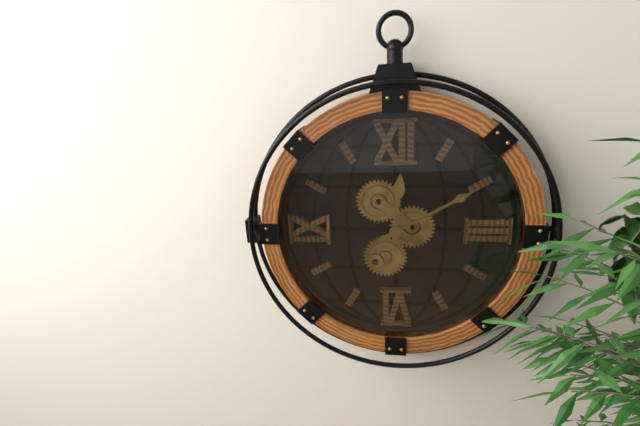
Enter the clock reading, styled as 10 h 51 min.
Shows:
12 h 10 min
